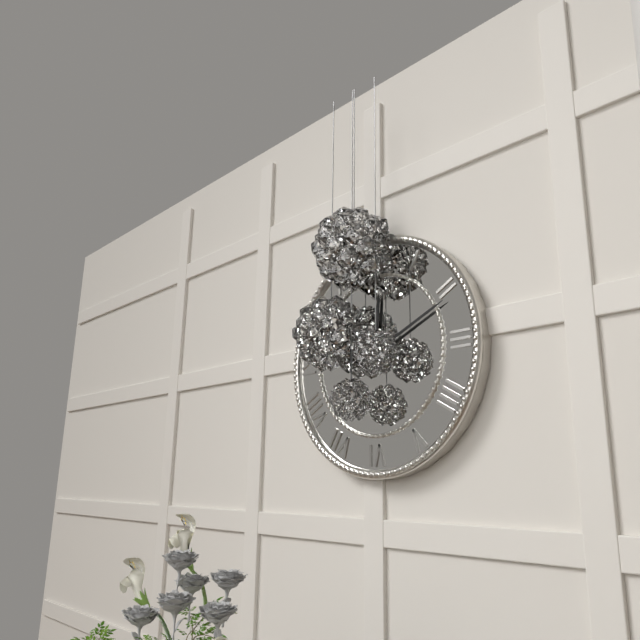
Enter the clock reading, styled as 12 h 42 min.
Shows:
12 h 11 min
